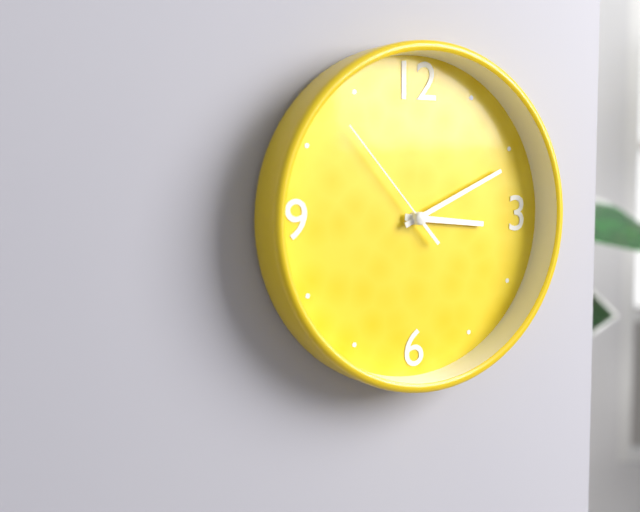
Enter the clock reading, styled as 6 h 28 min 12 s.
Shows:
3 h 11 min 53 s
